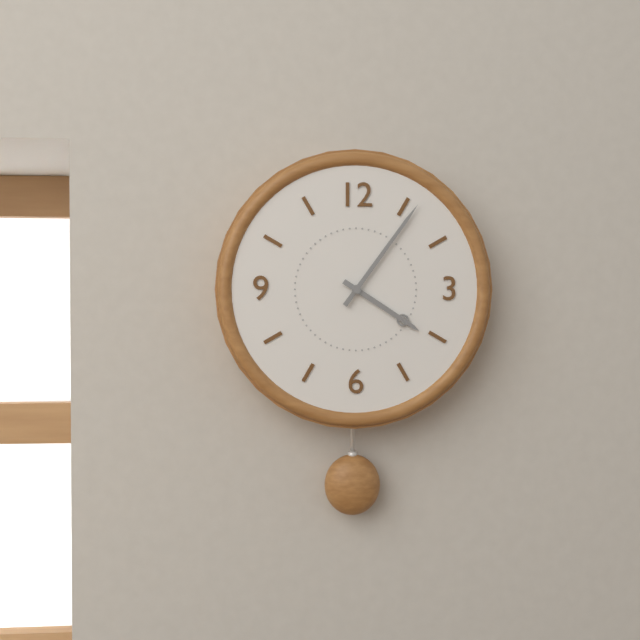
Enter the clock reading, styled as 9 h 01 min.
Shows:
4 h 06 min
